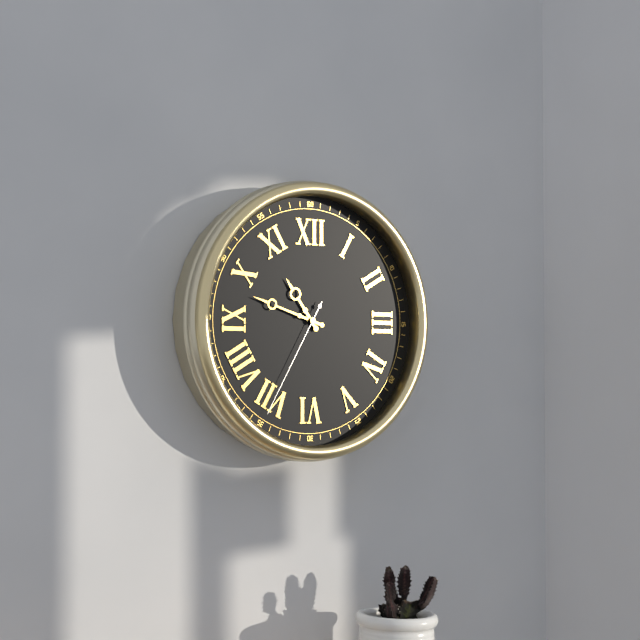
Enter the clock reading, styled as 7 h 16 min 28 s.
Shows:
10 h 48 min 35 s
